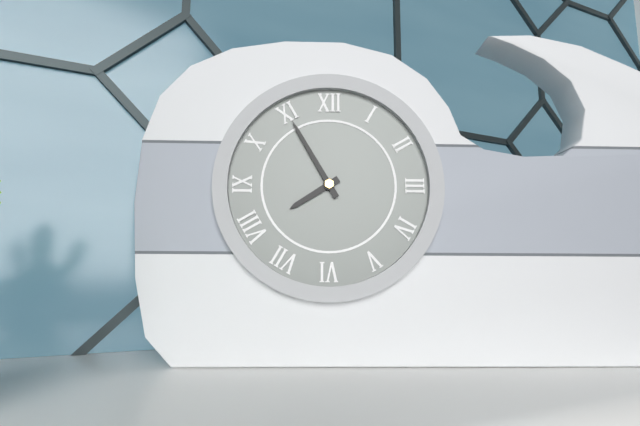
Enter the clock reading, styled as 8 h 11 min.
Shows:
7 h 55 min
